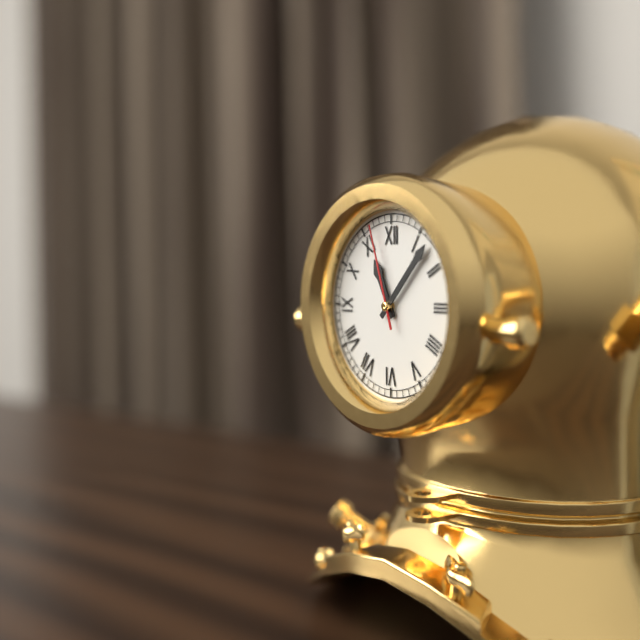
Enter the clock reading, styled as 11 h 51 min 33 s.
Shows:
11 h 07 min 57 s
